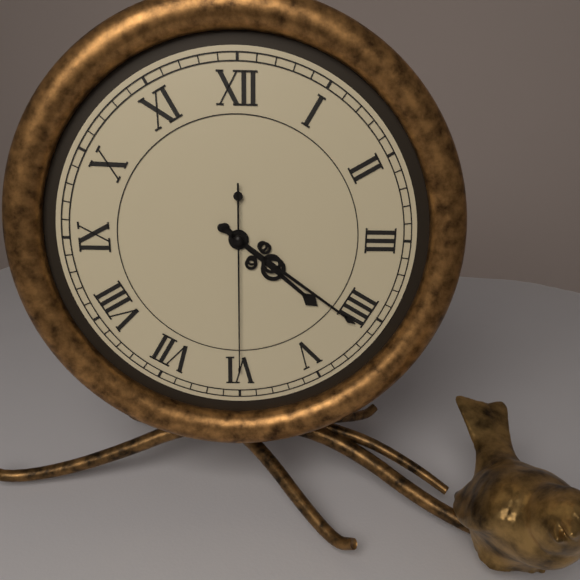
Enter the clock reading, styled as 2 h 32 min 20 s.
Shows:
4 h 21 min 30 s
